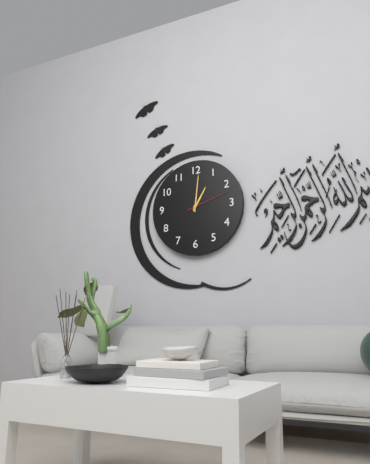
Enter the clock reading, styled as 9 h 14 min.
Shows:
1 h 01 min
